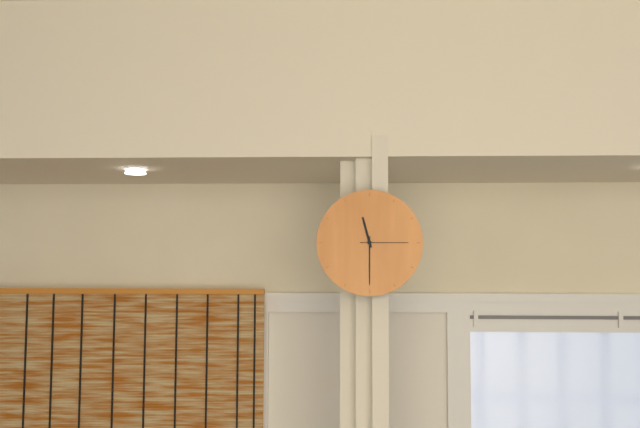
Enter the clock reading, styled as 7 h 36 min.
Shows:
11 h 30 min
